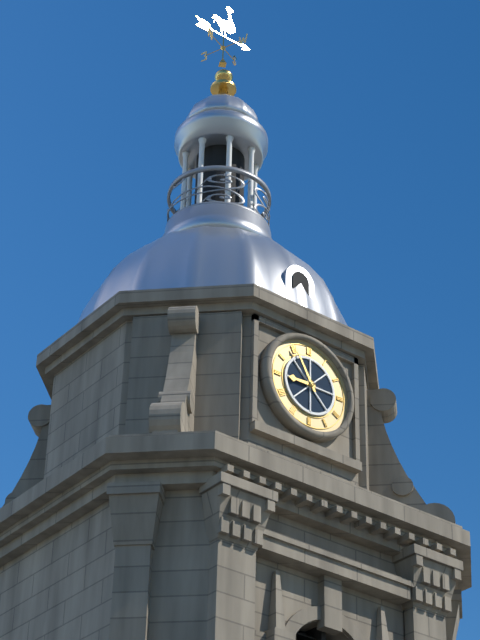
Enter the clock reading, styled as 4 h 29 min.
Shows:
8 h 55 min
